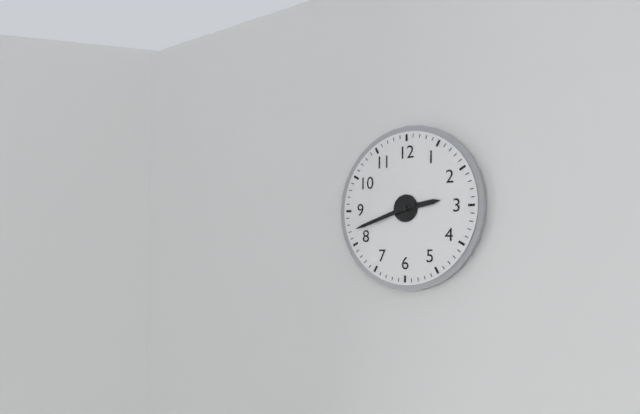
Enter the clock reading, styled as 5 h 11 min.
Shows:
2 h 42 min
